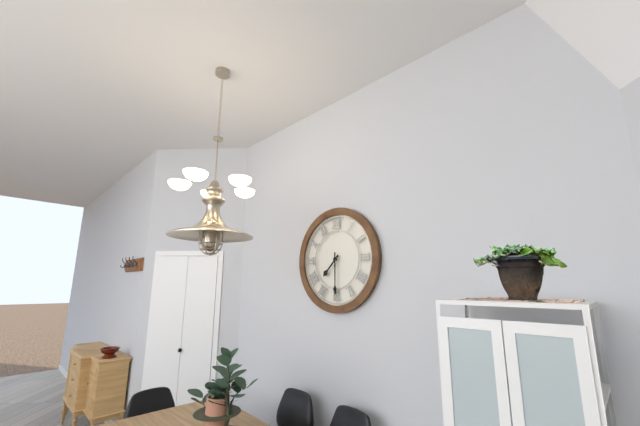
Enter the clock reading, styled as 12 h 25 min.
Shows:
7 h 30 min
